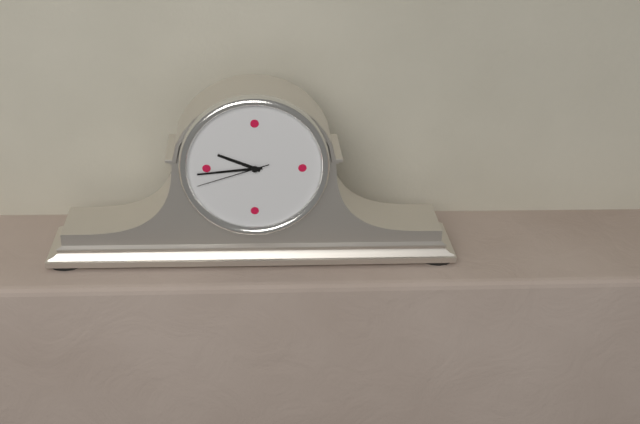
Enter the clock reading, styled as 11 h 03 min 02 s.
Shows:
9 h 44 min 42 s
